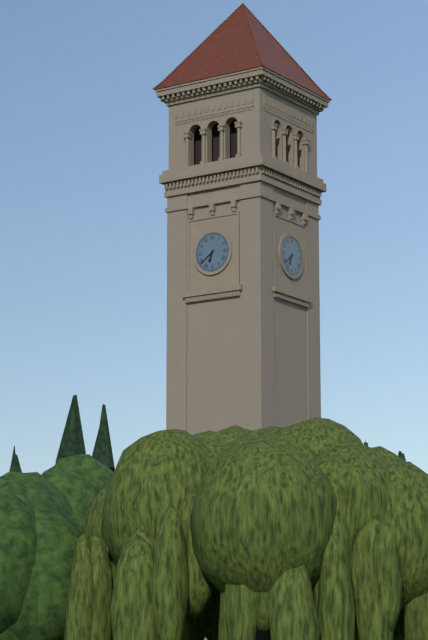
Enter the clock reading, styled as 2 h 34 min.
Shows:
6 h 39 min
